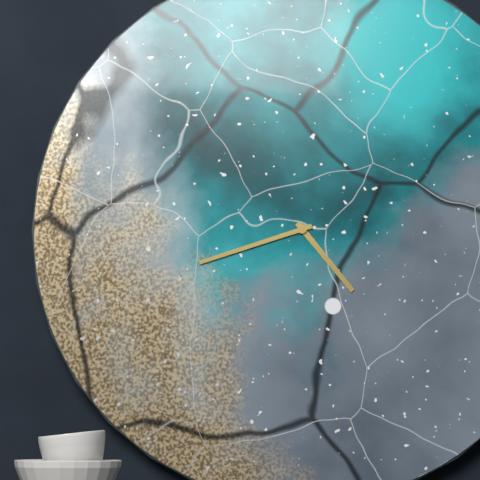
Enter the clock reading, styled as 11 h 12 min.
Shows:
4 h 42 min
